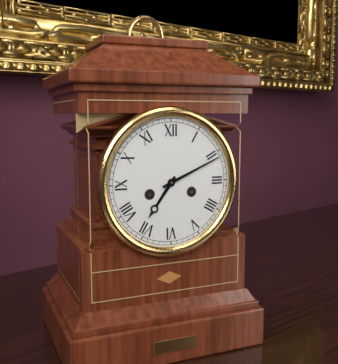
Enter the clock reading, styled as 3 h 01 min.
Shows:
7 h 11 min
